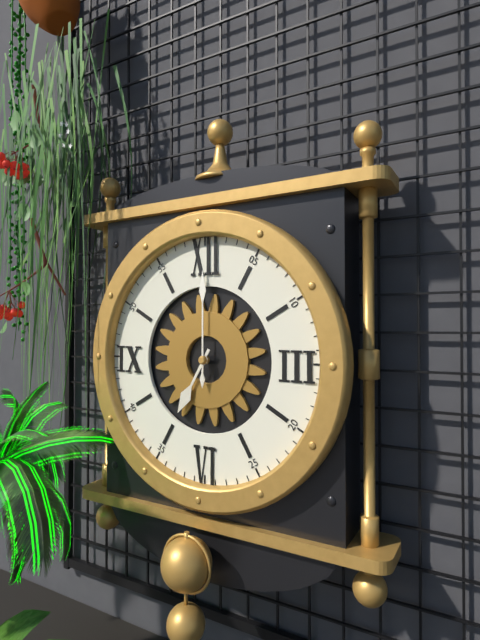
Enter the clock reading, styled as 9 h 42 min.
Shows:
7 h 00 min
